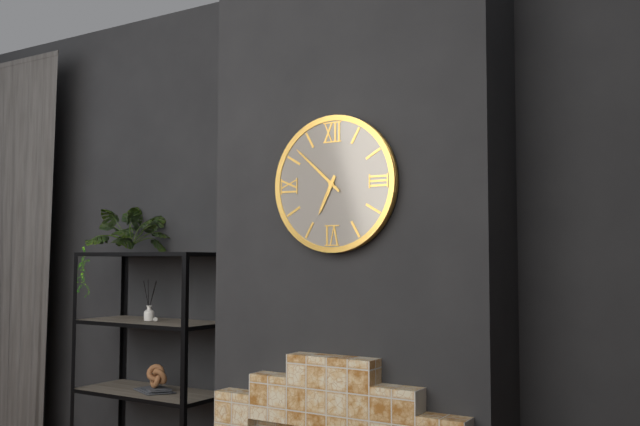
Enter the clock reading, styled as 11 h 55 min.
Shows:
6 h 52 min
